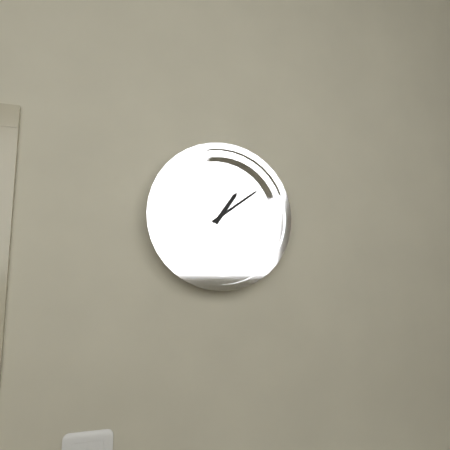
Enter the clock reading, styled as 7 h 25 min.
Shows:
1 h 09 min
